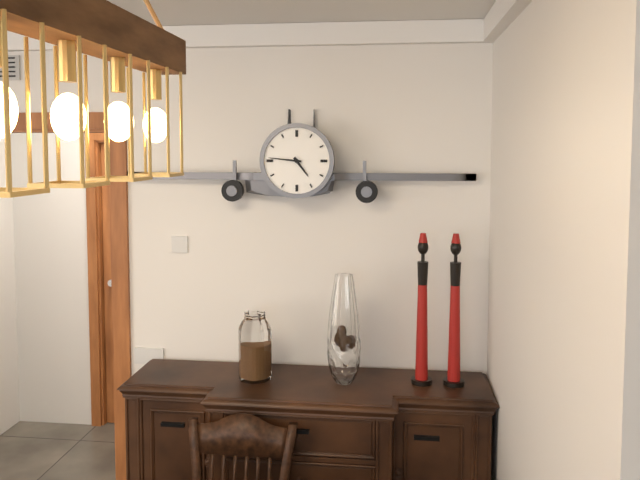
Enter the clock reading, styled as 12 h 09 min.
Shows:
4 h 46 min
